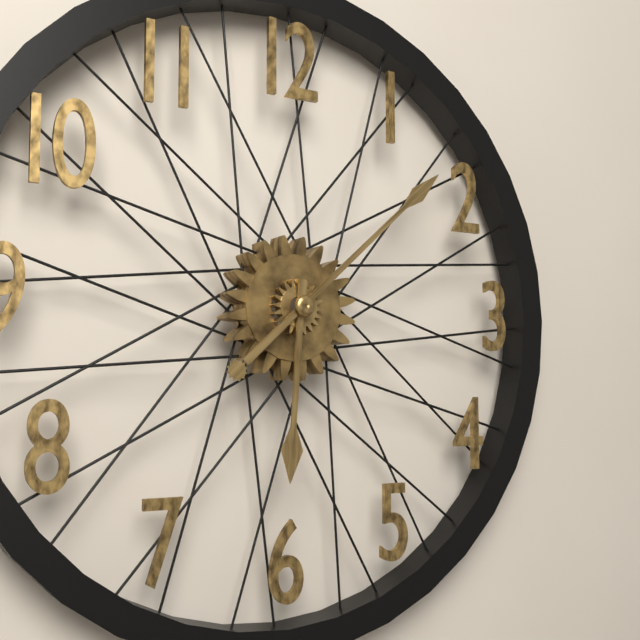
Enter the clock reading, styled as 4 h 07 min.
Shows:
6 h 08 min
